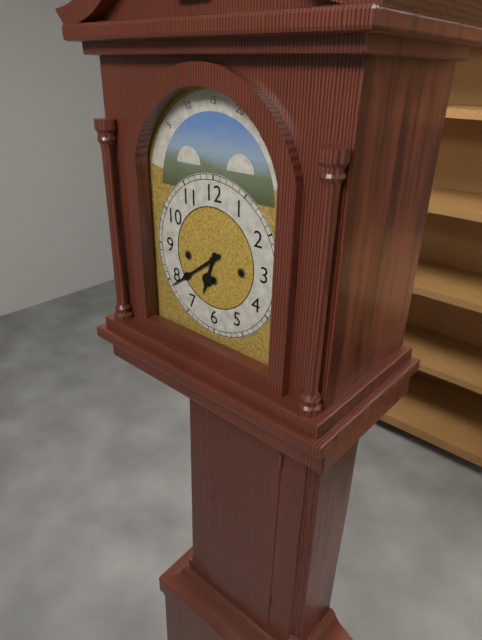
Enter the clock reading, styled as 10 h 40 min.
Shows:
6 h 39 min
